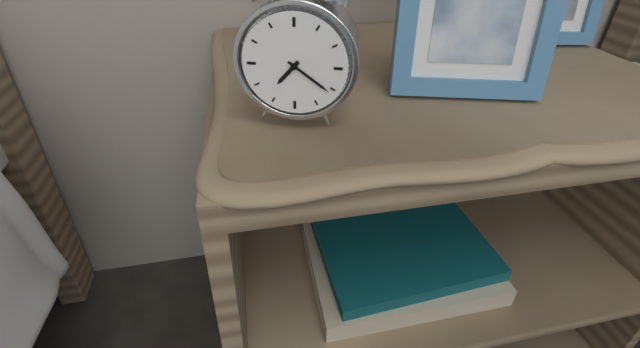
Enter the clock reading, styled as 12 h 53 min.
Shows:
7 h 21 min
